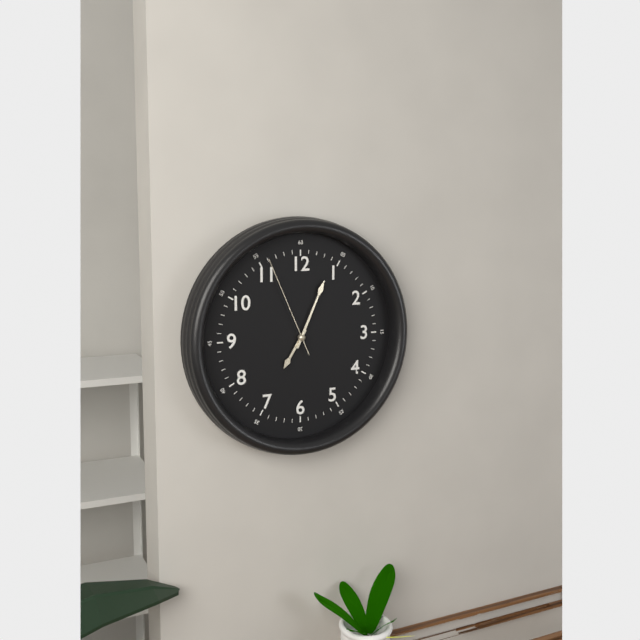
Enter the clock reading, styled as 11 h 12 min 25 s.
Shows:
7 h 04 min 56 s
